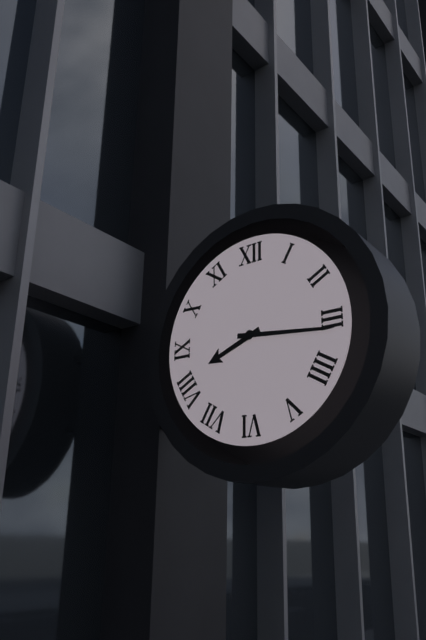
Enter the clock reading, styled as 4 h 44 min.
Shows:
8 h 16 min
